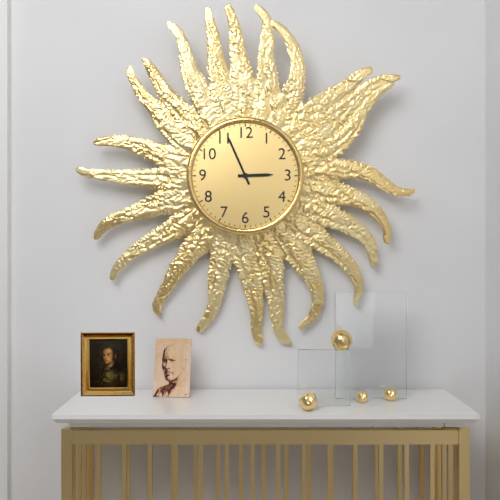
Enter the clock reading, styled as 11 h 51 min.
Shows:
2 h 56 min
